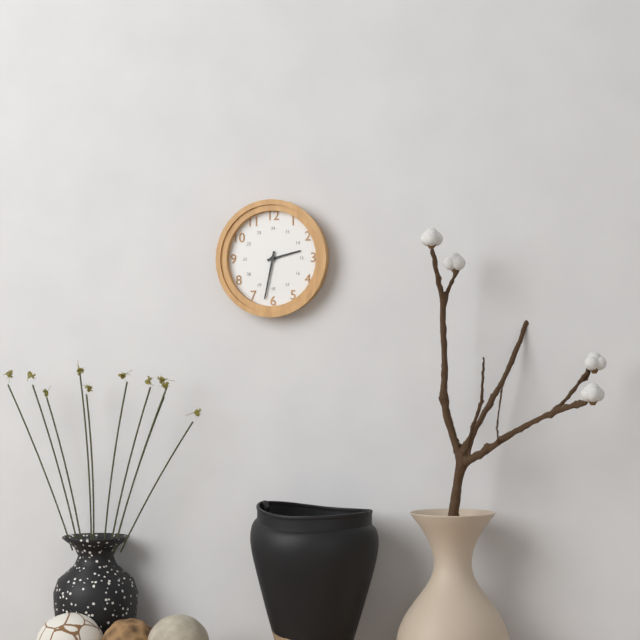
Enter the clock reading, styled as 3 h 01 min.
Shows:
2 h 32 min
